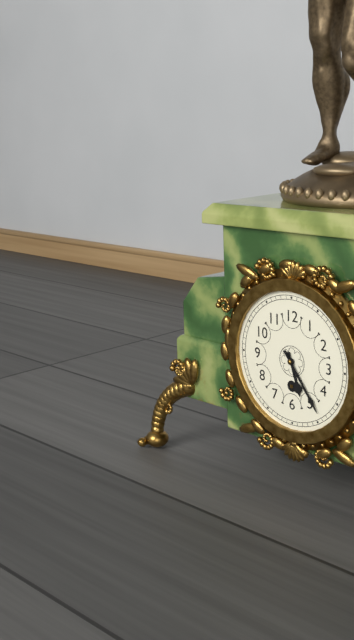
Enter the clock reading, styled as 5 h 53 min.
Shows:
5 h 24 min
